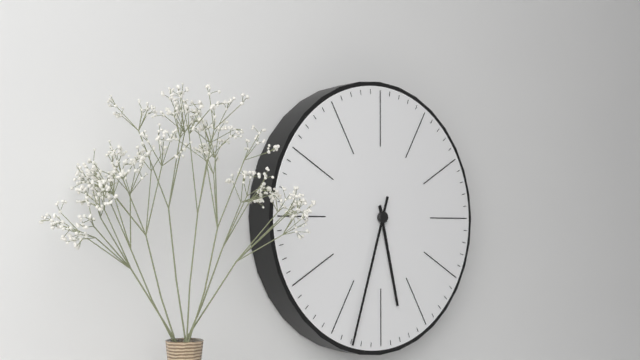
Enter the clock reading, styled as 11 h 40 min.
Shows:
5 h 33 min
